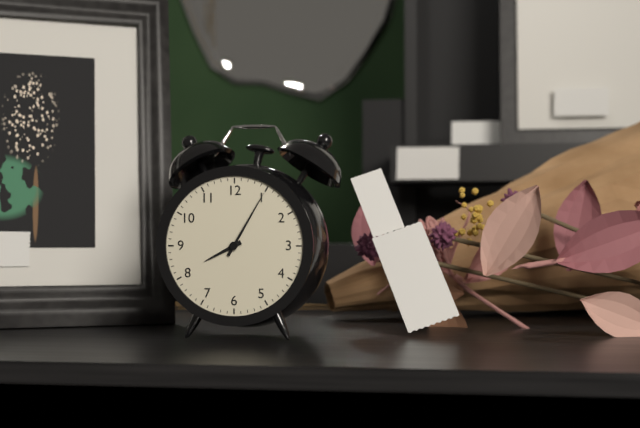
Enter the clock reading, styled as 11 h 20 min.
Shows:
8 h 05 min
